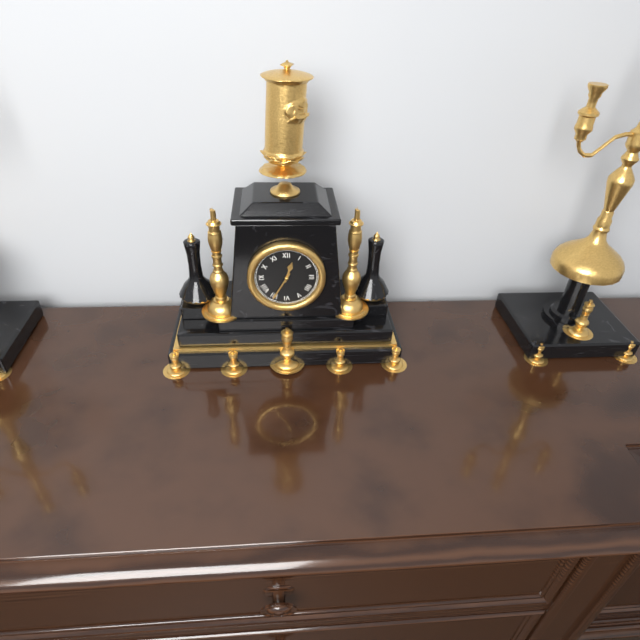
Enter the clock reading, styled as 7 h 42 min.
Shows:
12 h 35 min
